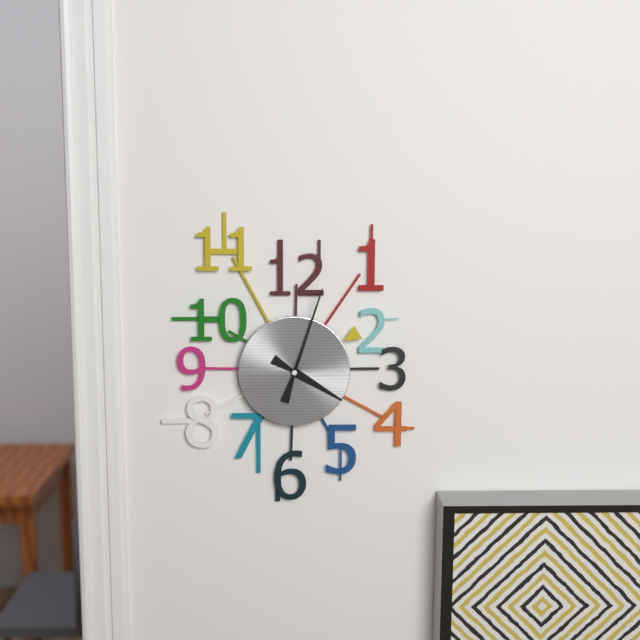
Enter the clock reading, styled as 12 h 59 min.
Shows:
4 h 03 min
